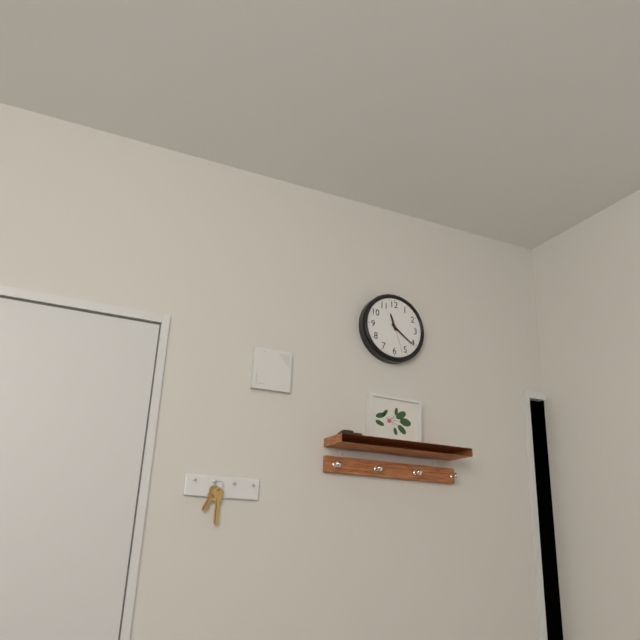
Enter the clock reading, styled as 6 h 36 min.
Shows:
11 h 21 min
